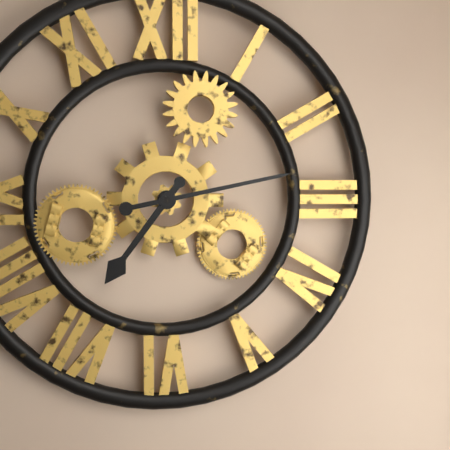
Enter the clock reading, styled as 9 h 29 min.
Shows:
7 h 13 min
